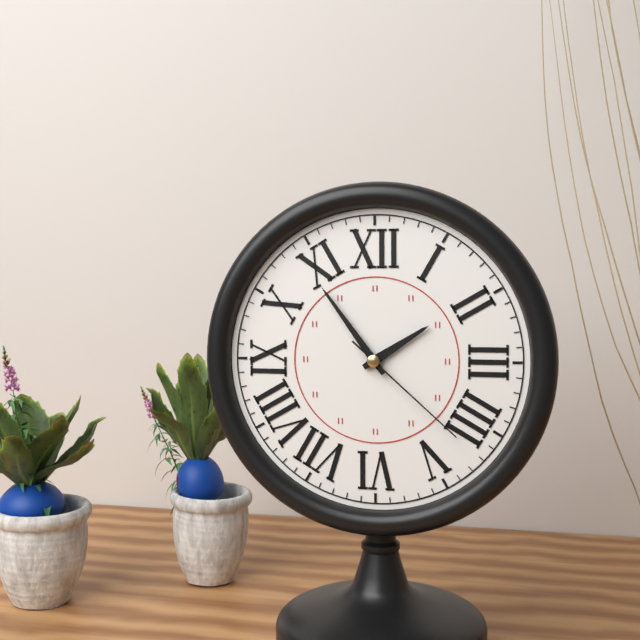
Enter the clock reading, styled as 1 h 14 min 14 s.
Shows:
1 h 54 min 22 s
